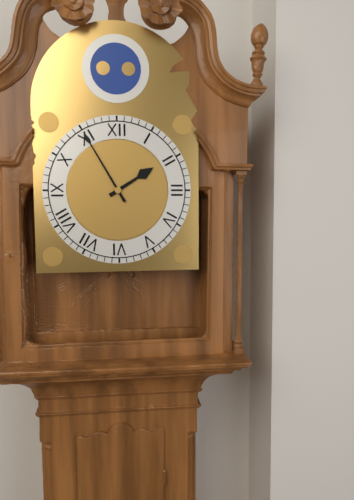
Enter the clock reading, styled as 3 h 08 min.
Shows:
1 h 55 min
